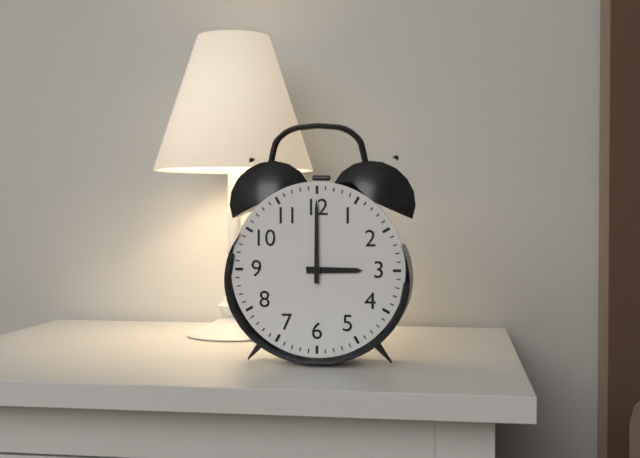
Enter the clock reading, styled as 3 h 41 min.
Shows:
3 h 00 min
